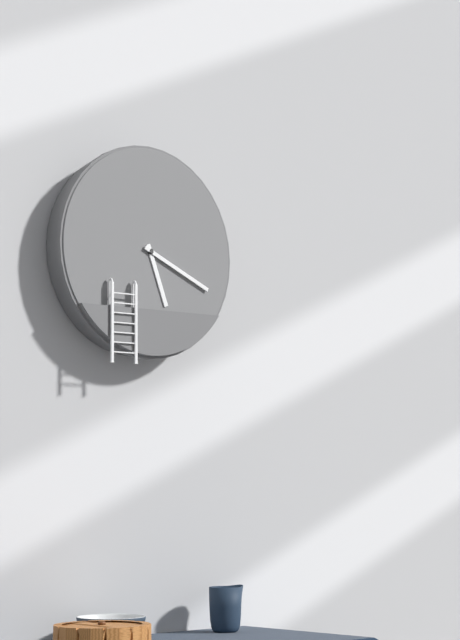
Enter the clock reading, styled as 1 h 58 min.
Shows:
5 h 19 min
